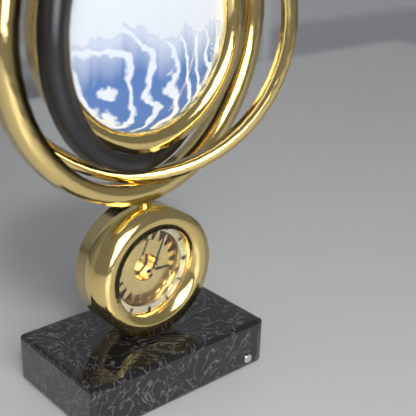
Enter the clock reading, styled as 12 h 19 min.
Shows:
3 h 04 min
